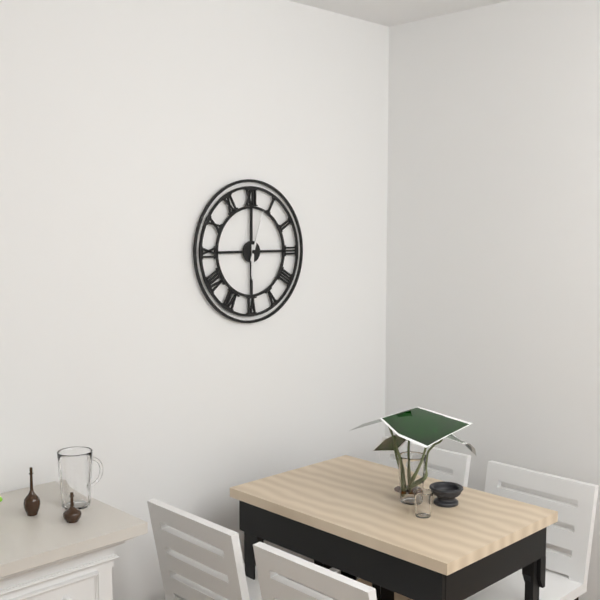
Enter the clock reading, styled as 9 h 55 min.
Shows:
6 h 03 min
